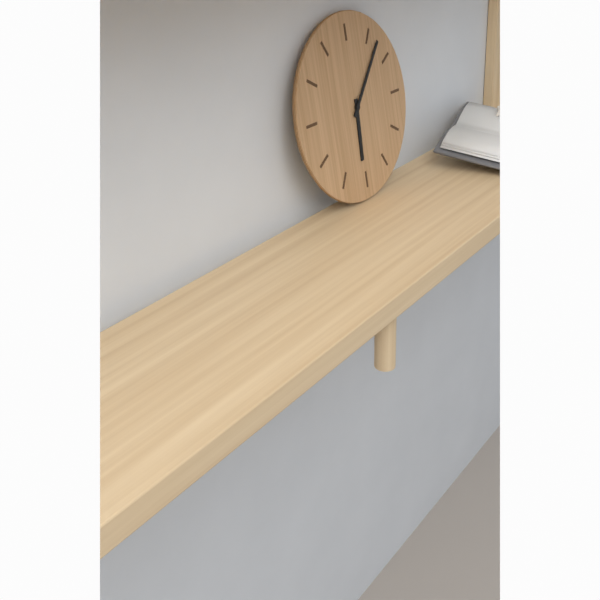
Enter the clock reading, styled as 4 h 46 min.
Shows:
6 h 07 min
